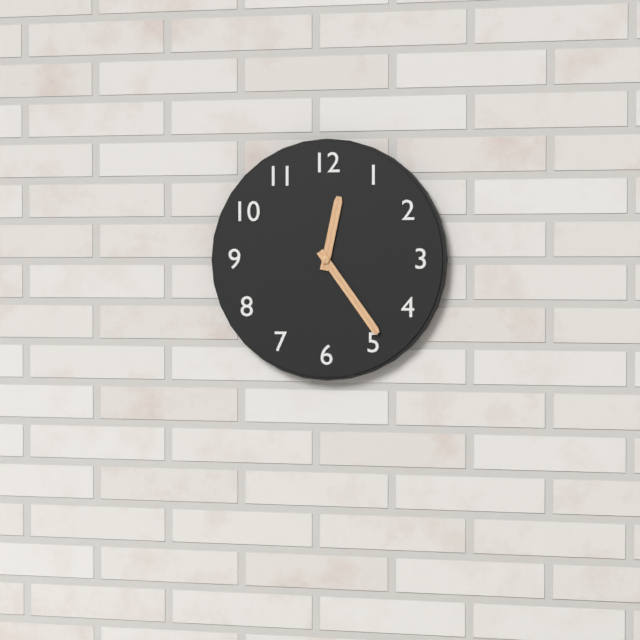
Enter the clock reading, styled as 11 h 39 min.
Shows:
12 h 24 min
